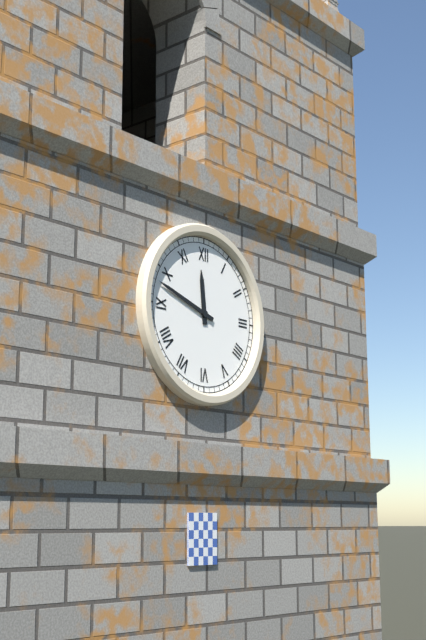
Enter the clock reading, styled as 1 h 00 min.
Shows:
11 h 48 min
